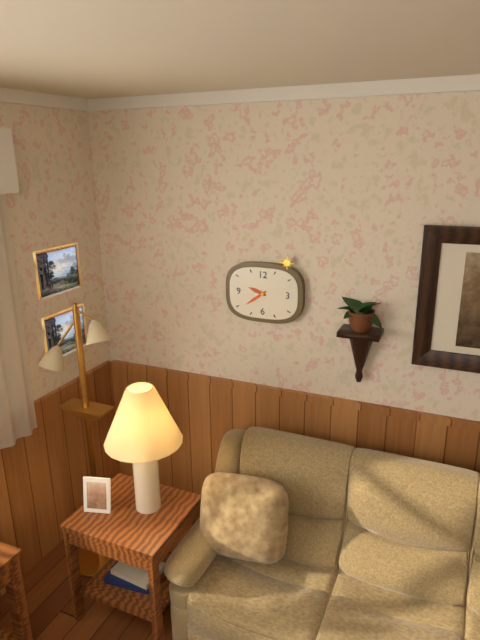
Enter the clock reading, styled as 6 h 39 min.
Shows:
9 h 39 min
